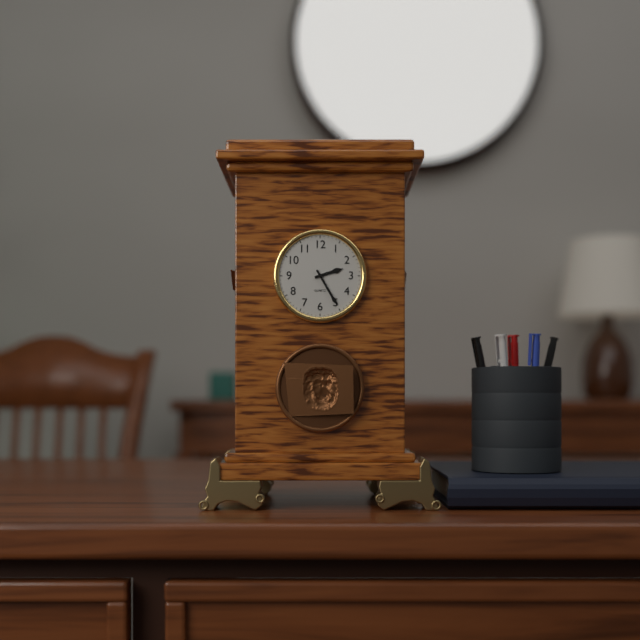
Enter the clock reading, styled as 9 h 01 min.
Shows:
2 h 25 min
